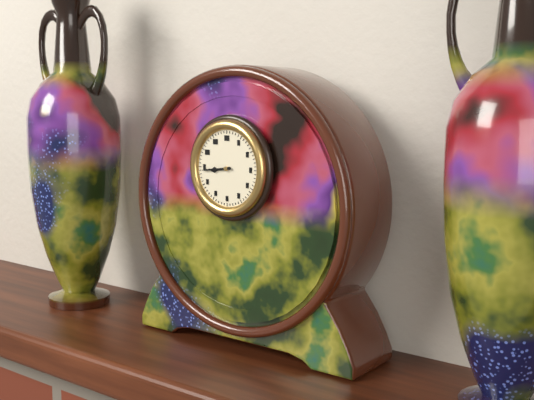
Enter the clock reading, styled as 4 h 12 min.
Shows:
8 h 44 min
